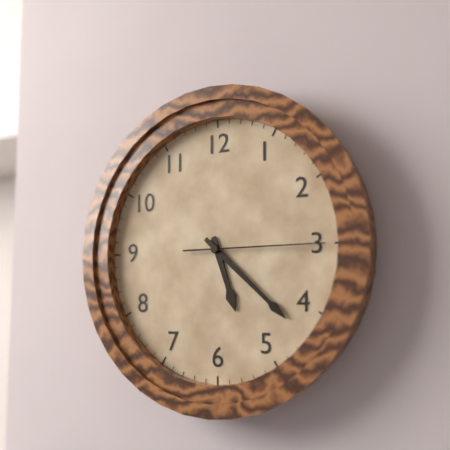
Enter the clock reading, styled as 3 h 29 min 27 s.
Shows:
5 h 22 min 15 s
